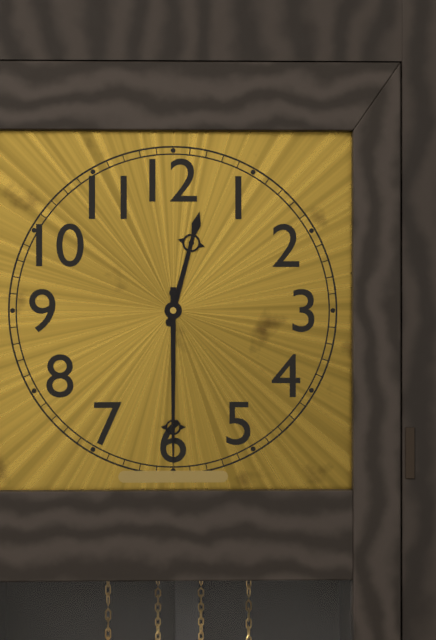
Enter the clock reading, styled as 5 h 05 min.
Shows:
12 h 30 min
